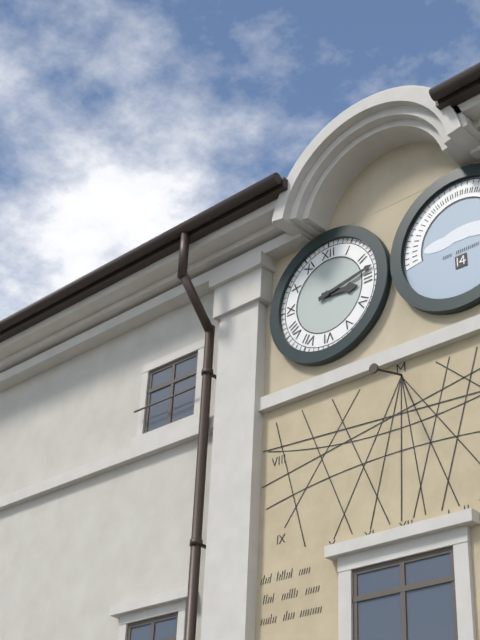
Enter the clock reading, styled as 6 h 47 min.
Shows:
3 h 13 min
